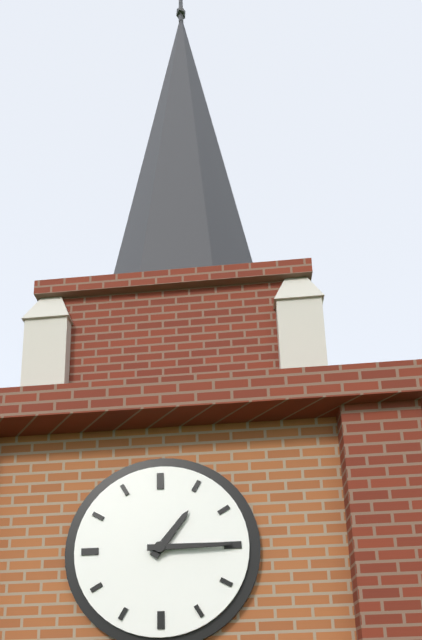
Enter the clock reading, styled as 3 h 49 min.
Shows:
1 h 15 min
